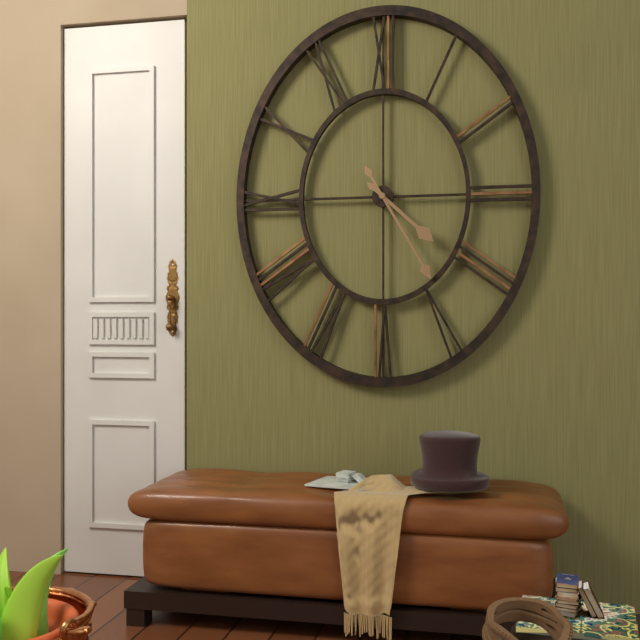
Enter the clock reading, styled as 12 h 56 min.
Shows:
4 h 25 min
